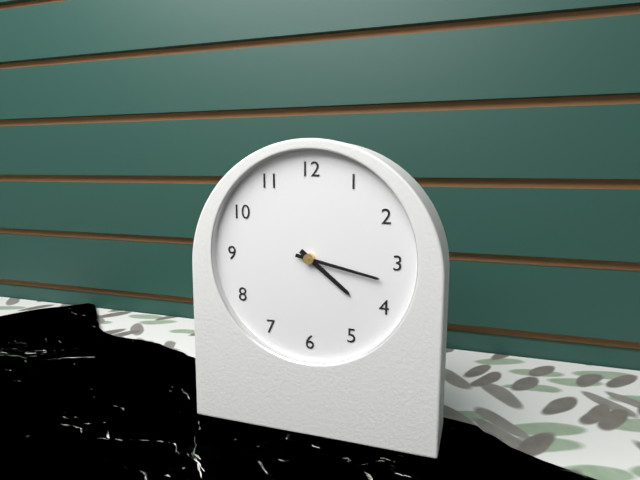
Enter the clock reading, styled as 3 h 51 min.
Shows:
4 h 17 min
